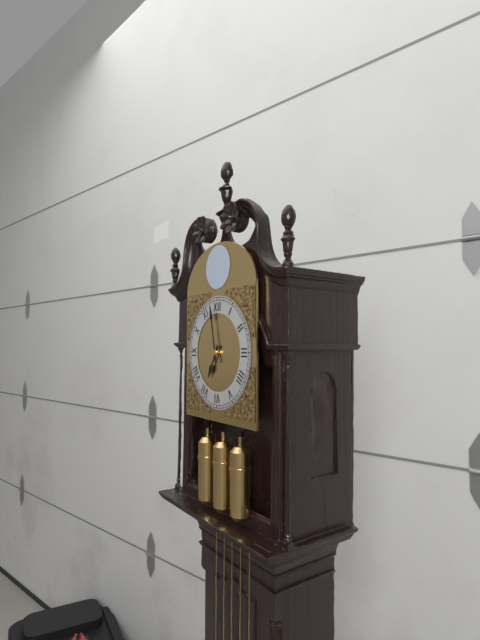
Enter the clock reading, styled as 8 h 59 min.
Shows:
6 h 58 min
